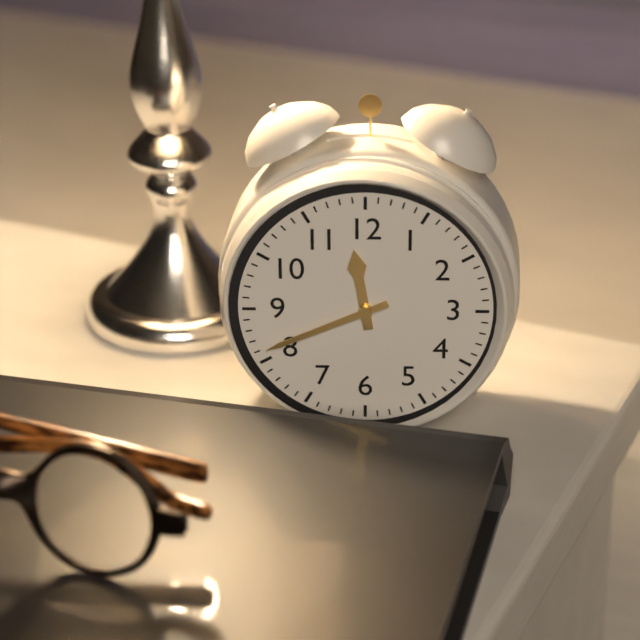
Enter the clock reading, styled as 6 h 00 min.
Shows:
11 h 41 min
